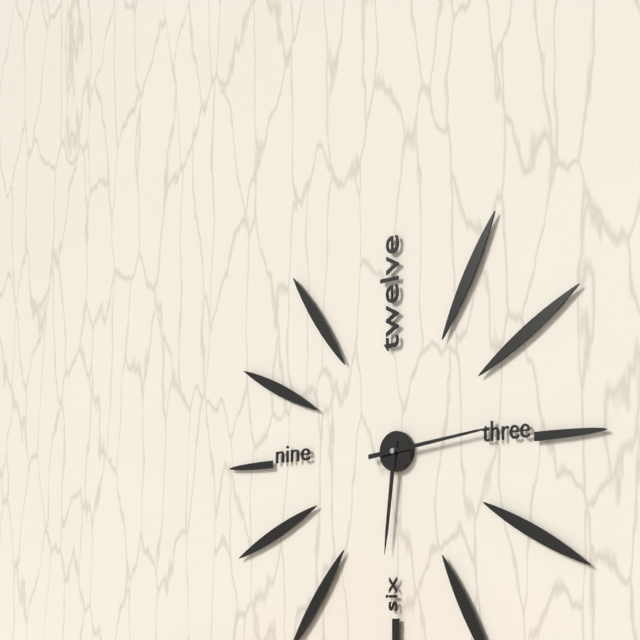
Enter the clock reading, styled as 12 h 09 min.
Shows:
6 h 14 min
